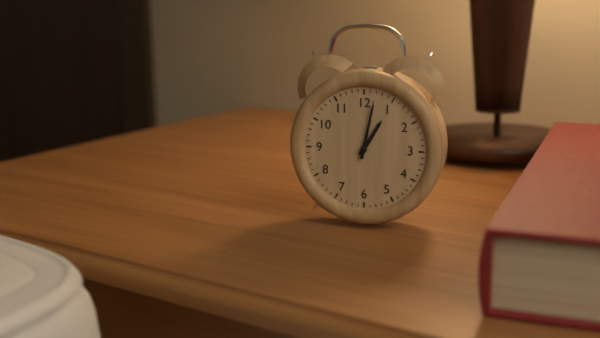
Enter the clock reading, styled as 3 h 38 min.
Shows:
1 h 02 min
